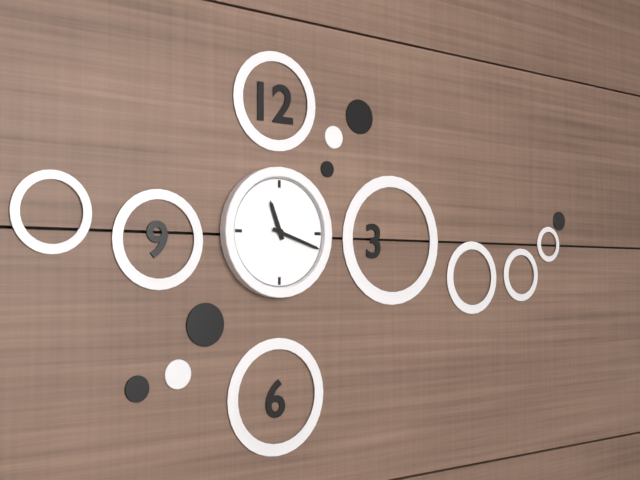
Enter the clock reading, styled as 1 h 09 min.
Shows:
11 h 18 min
